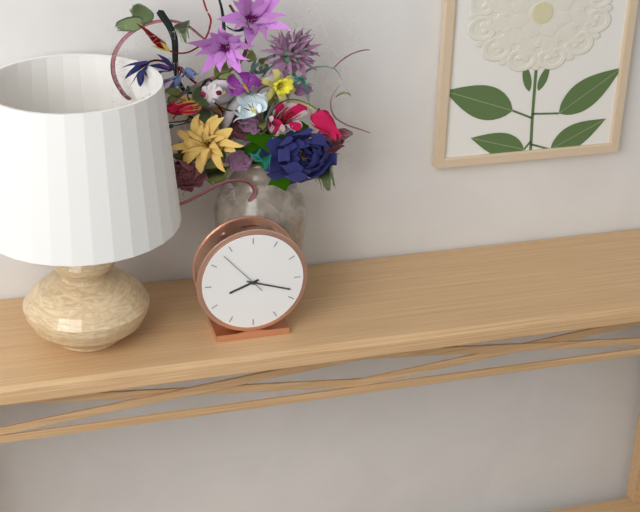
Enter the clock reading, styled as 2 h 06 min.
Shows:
8 h 18 min
